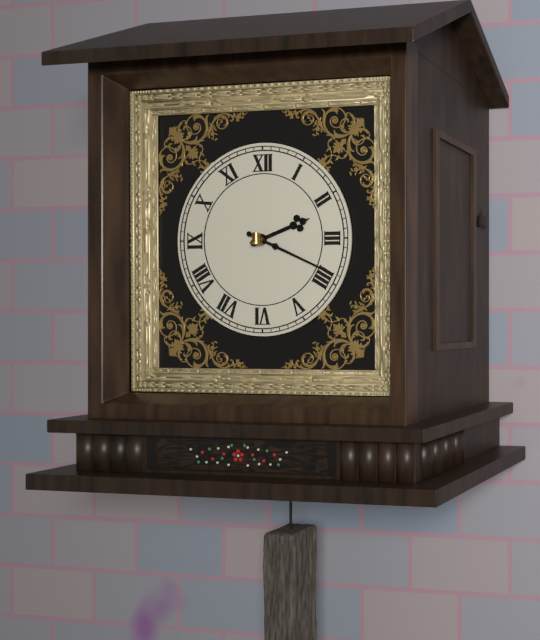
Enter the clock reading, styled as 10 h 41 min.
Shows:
2 h 19 min
